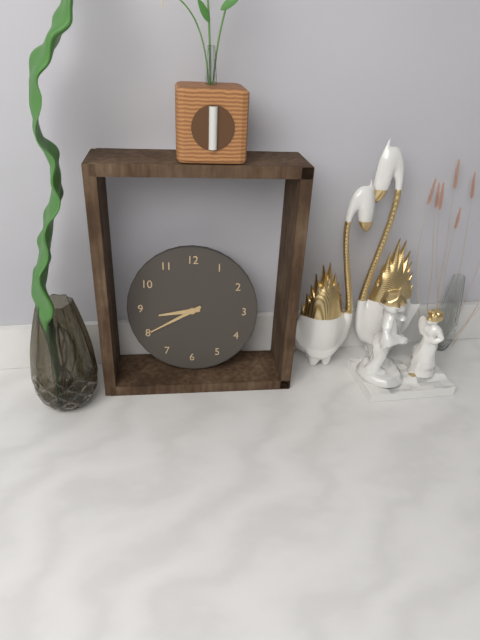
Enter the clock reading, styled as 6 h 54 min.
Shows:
8 h 40 min
